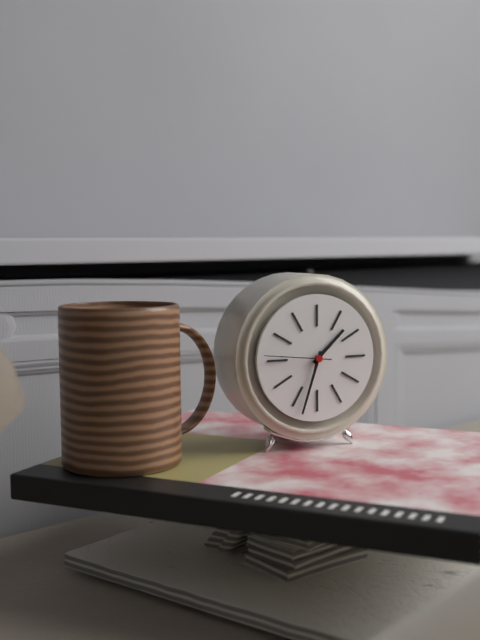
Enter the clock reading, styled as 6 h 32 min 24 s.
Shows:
1 h 33 min 46 s
